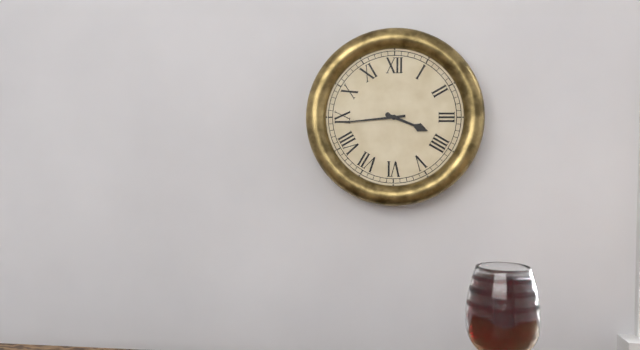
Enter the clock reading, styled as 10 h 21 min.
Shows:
3 h 44 min
